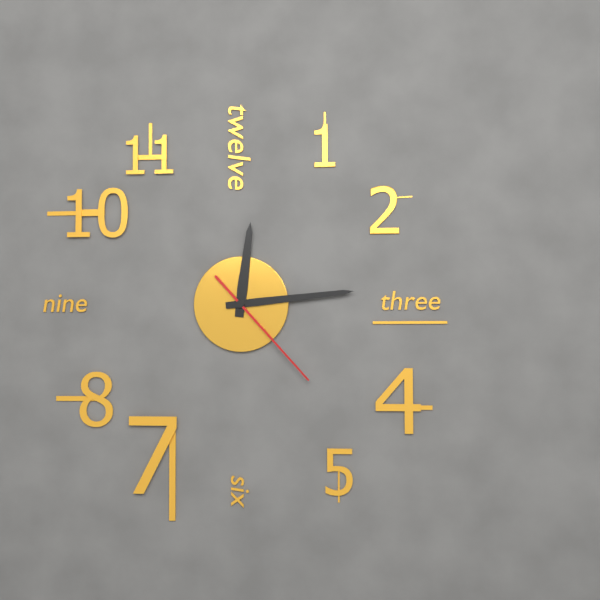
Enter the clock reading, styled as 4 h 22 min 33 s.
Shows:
12 h 14 min 23 s
